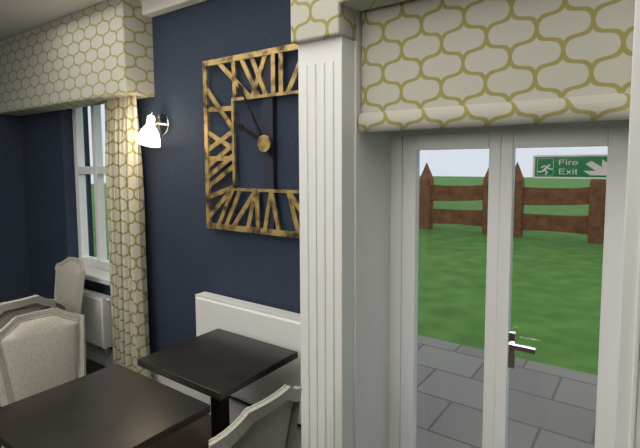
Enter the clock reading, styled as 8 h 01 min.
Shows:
9 h 55 min
